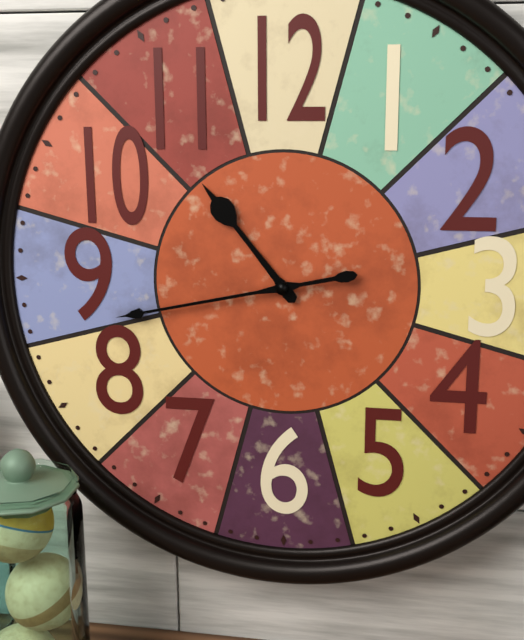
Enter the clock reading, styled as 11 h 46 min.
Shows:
10 h 43 min
